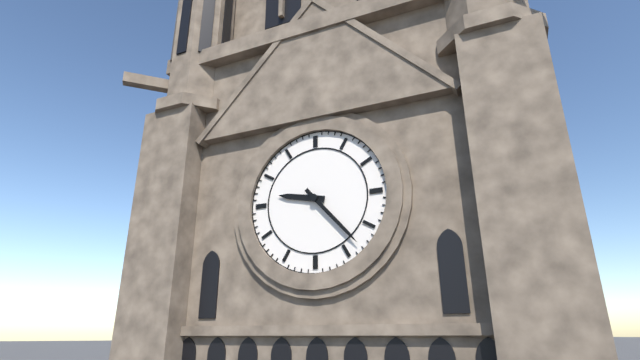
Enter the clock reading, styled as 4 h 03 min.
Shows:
9 h 23 min
